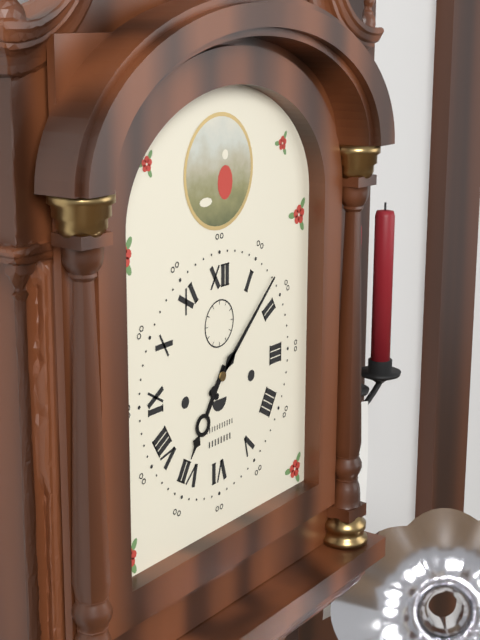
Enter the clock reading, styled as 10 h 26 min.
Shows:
7 h 08 min
